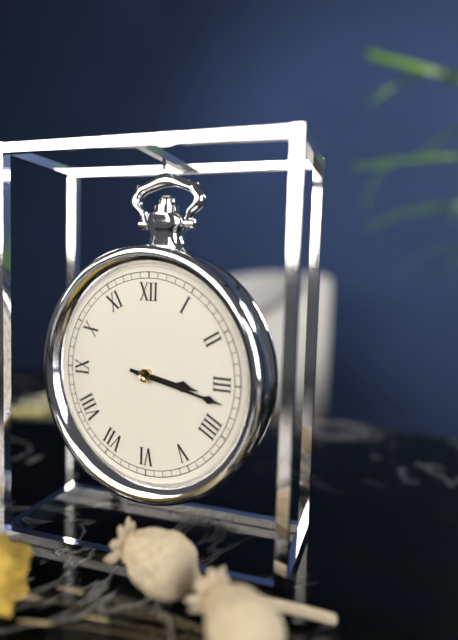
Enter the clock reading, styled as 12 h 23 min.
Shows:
3 h 17 min
